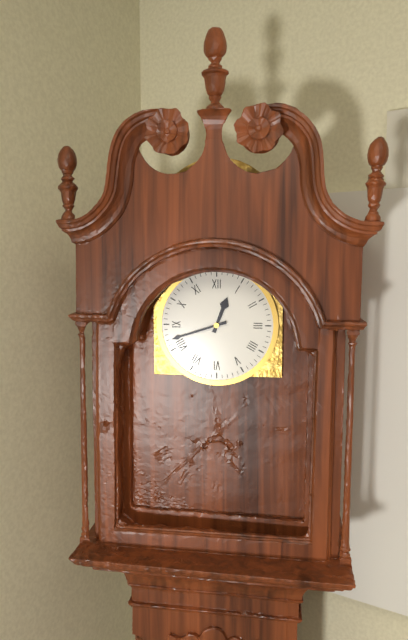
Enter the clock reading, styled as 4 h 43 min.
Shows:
12 h 42 min
